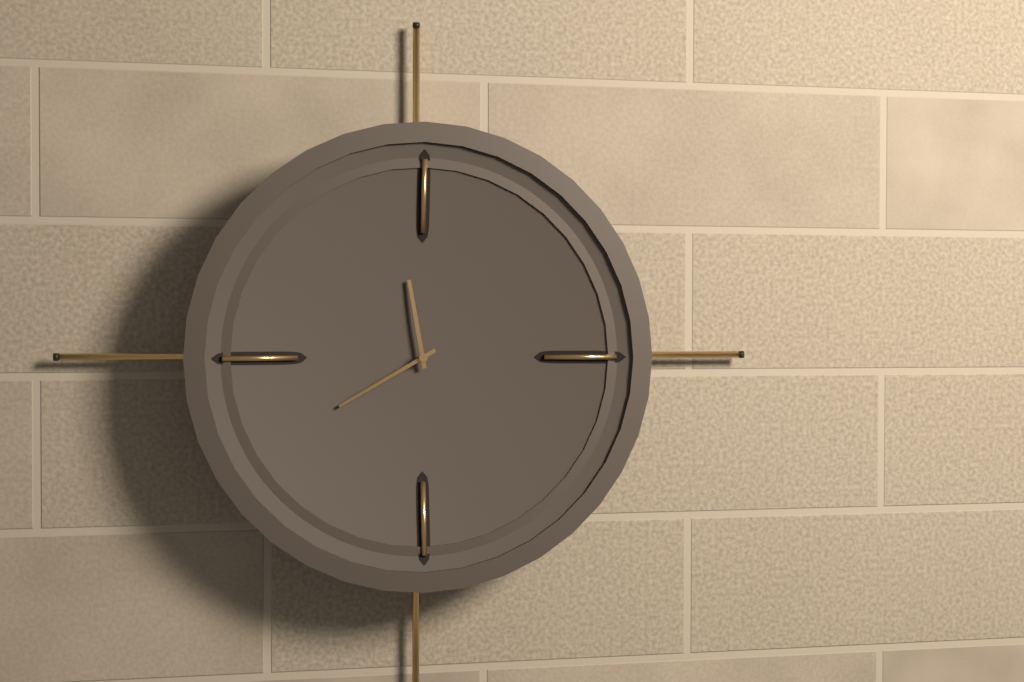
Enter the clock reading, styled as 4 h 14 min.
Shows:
11 h 40 min
